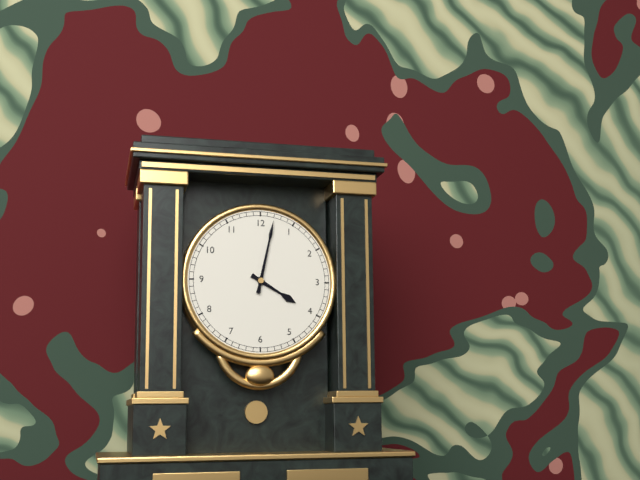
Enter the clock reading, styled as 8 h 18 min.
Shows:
4 h 02 min
